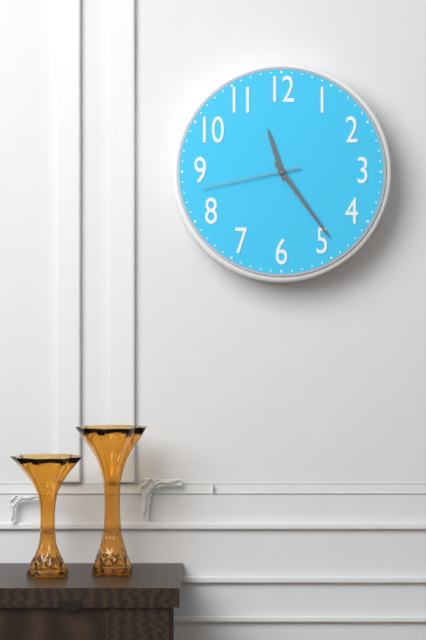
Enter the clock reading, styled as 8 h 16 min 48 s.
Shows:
11 h 24 min 43 s
